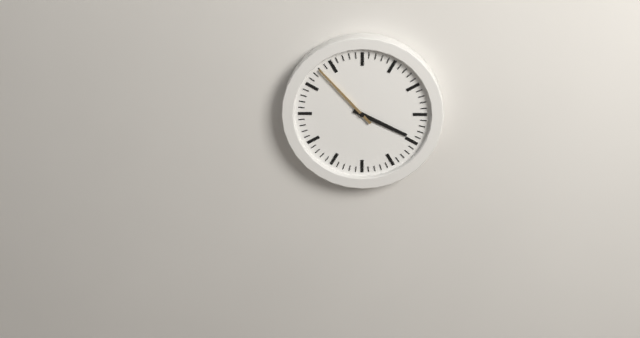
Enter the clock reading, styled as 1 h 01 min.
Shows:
3 h 53 min
